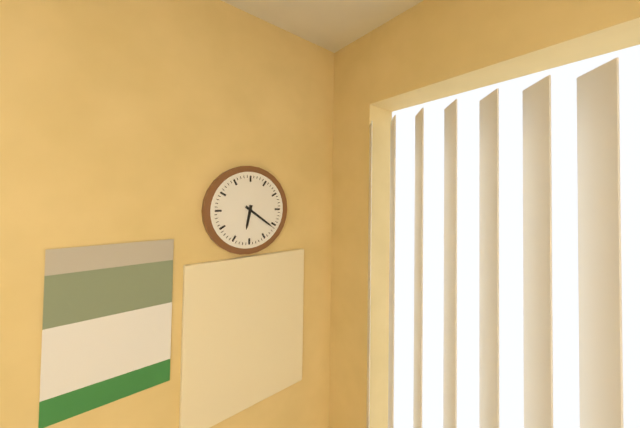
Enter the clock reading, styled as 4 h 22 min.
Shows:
6 h 21 min
